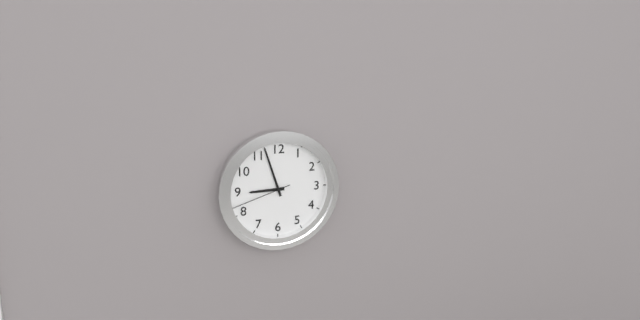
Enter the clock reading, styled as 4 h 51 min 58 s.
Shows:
8 h 57 min 42 s
